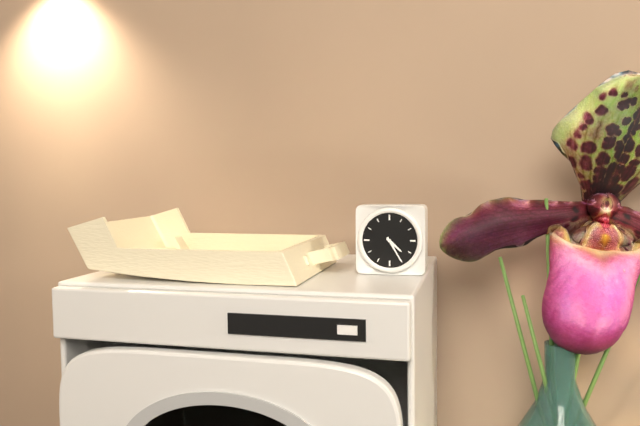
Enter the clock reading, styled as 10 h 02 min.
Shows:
4 h 25 min
